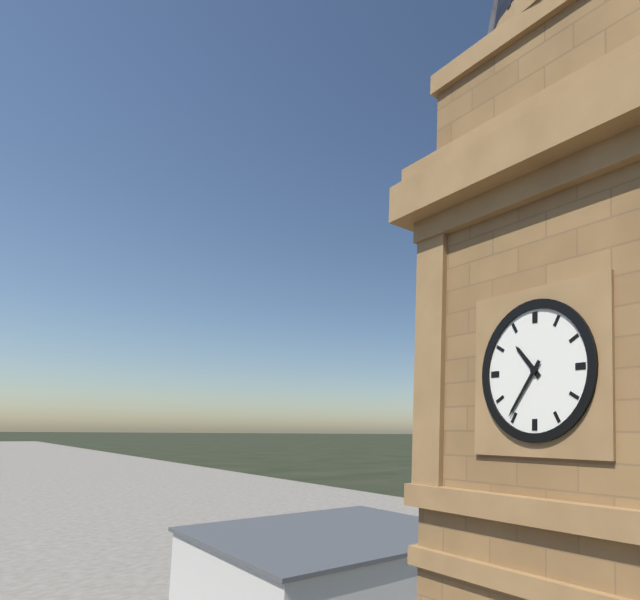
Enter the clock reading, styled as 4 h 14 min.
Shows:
10 h 36 min
